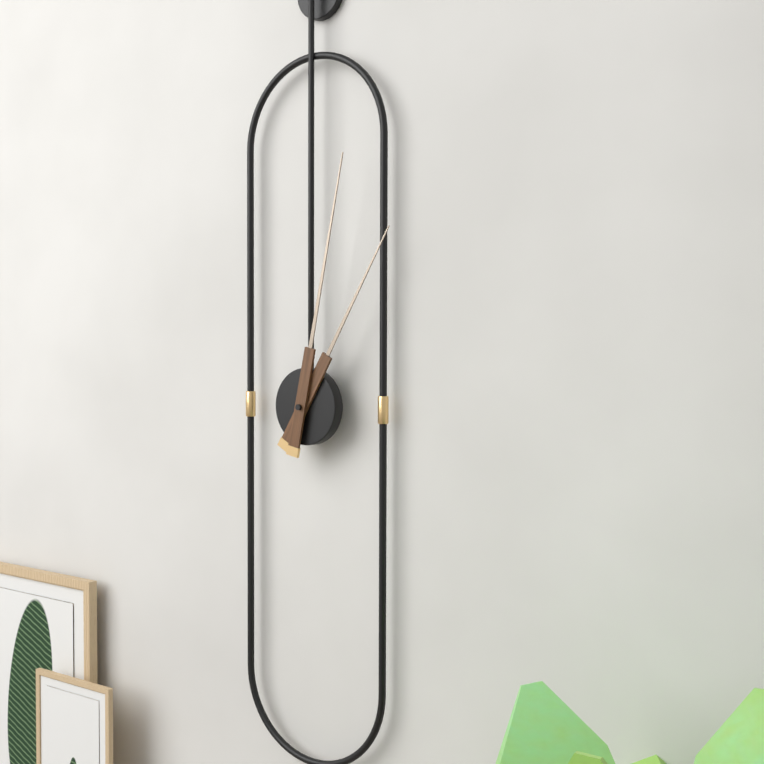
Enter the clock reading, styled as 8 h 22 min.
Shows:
1 h 02 min
